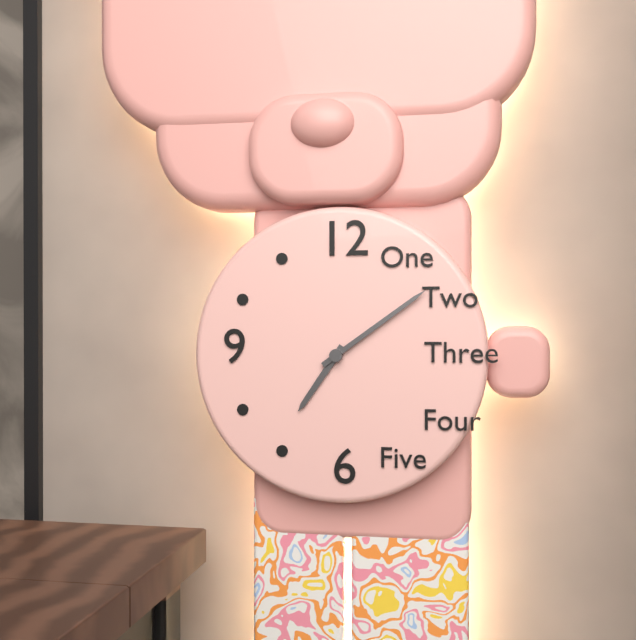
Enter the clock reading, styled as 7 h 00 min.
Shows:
7 h 09 min
